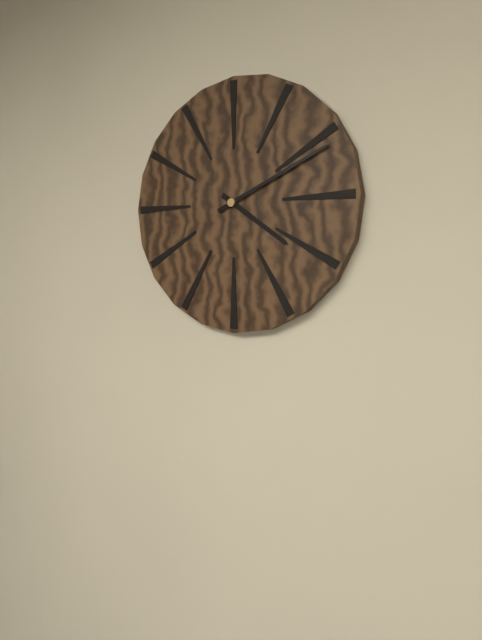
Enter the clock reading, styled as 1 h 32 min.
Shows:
4 h 11 min
